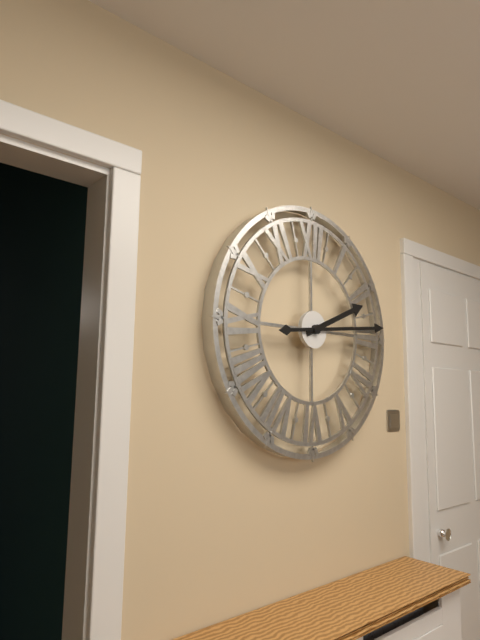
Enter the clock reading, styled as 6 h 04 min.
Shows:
2 h 14 min
